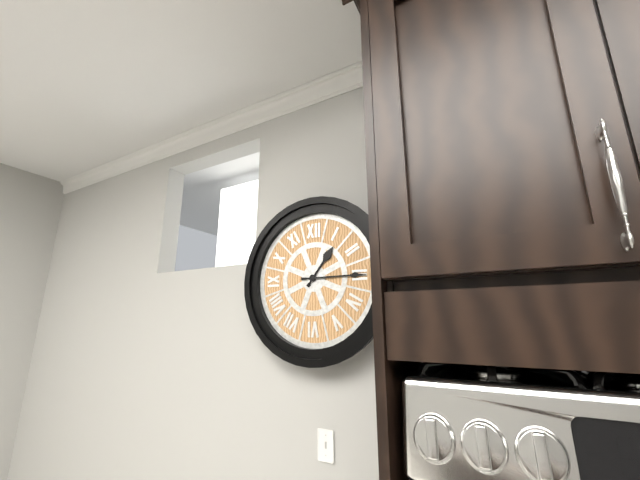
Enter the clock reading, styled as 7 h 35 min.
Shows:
1 h 15 min
